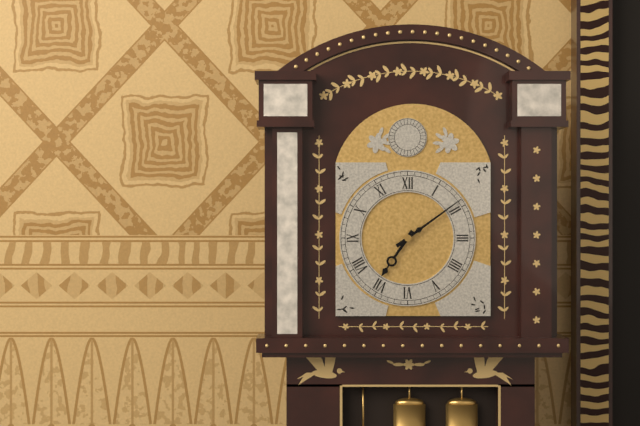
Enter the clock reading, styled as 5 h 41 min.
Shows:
7 h 09 min
